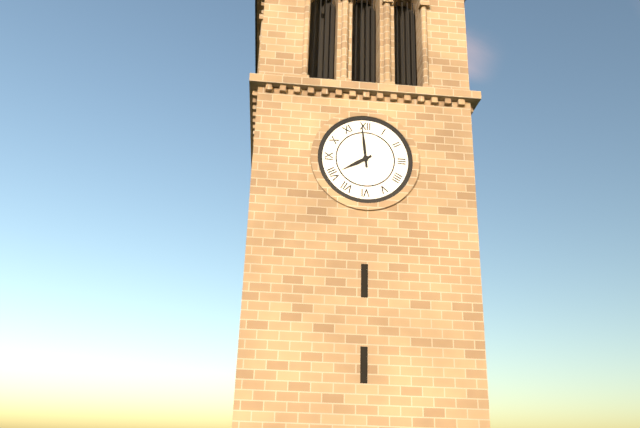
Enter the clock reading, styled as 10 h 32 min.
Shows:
7 h 59 min
